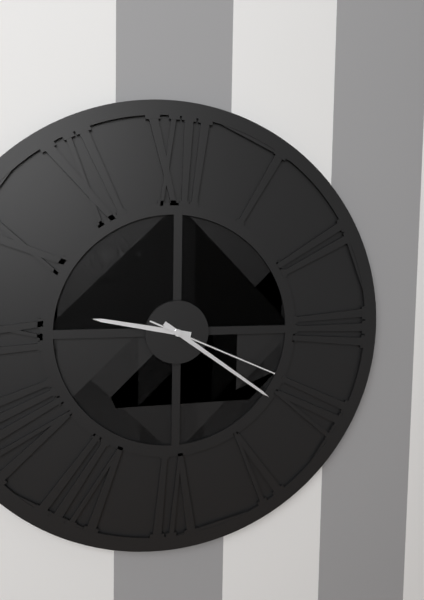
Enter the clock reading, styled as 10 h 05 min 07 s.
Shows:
9 h 21 min 19 s
